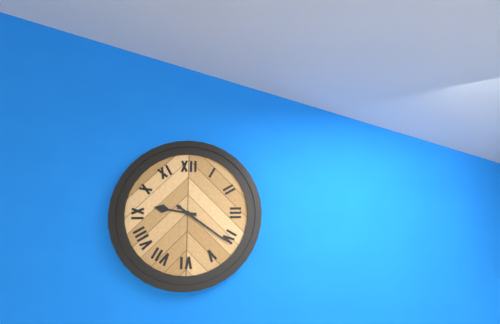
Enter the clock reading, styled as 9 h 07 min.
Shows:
9 h 21 min
